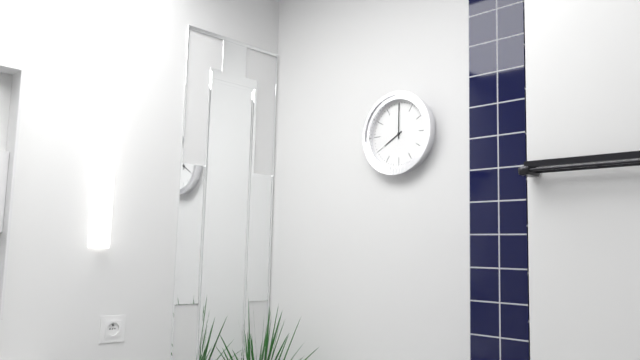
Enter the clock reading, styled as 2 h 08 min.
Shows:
8 h 00 min
